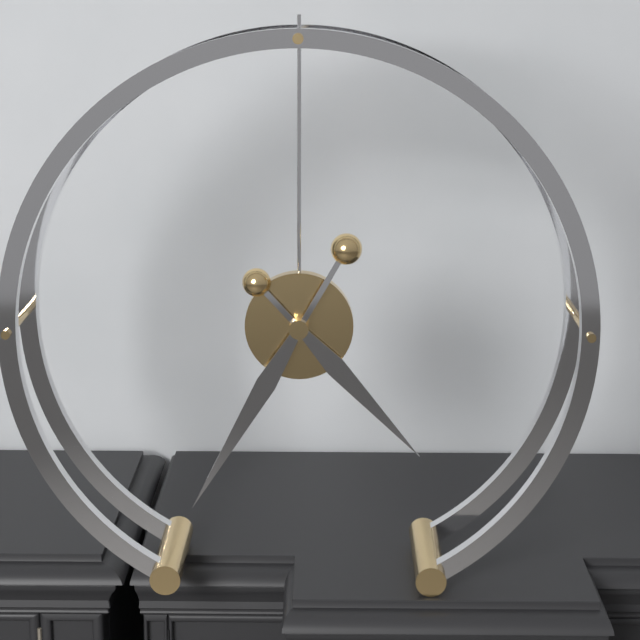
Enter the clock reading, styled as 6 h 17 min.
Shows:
4 h 35 min
